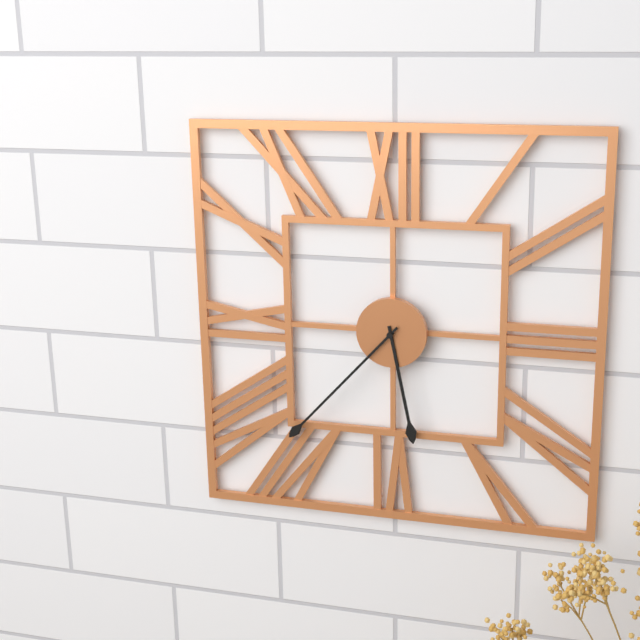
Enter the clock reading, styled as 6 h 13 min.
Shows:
5 h 37 min
